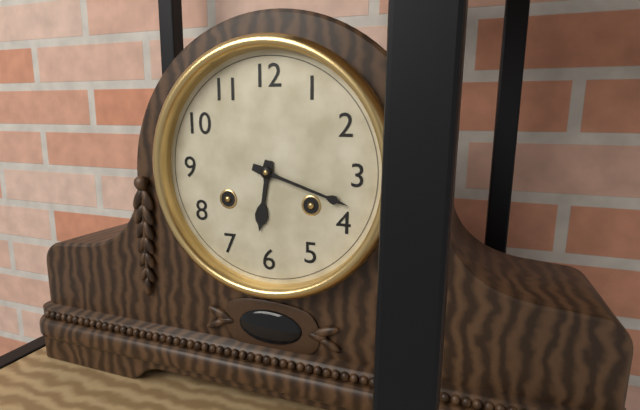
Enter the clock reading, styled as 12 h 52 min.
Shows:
6 h 18 min
